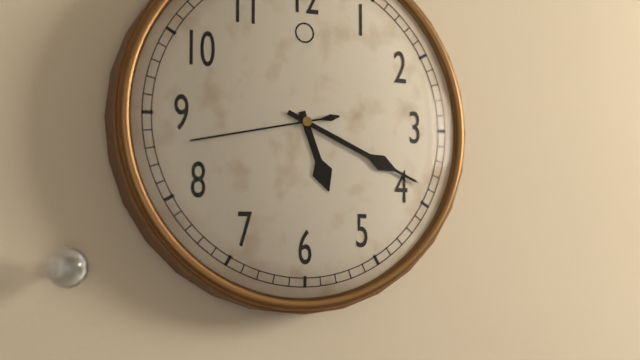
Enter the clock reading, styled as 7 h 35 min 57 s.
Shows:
5 h 19 min 43 s
